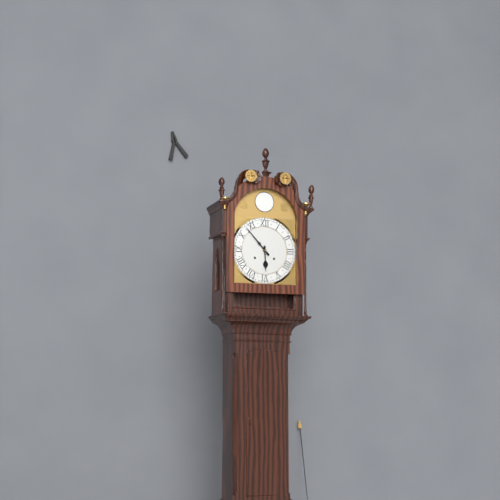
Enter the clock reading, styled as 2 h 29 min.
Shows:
5 h 53 min
